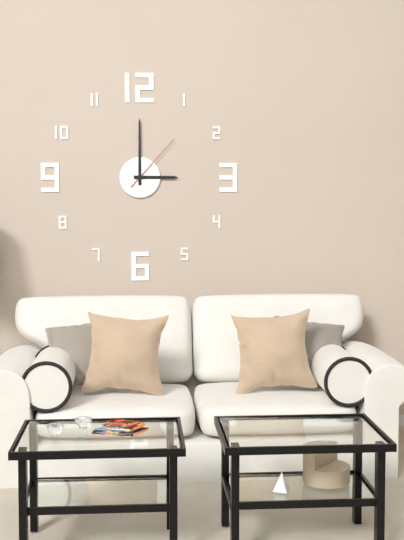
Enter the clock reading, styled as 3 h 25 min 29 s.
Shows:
3 h 00 min 07 s
